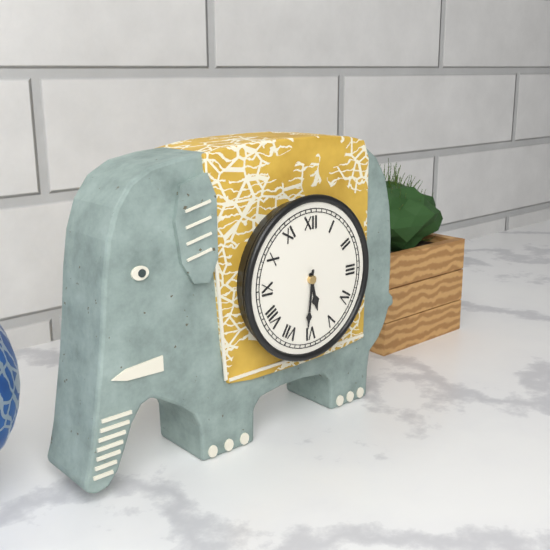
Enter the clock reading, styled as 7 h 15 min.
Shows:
5 h 31 min
